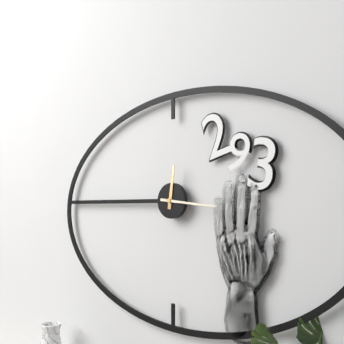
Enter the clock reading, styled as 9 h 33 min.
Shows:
12 h 16 min
